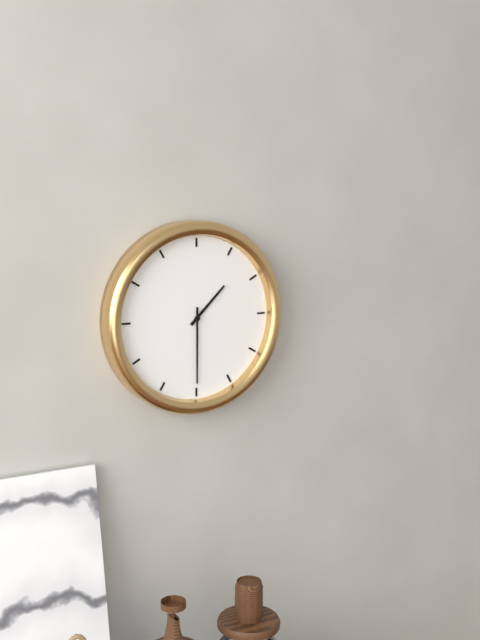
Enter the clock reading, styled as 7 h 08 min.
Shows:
1 h 30 min
